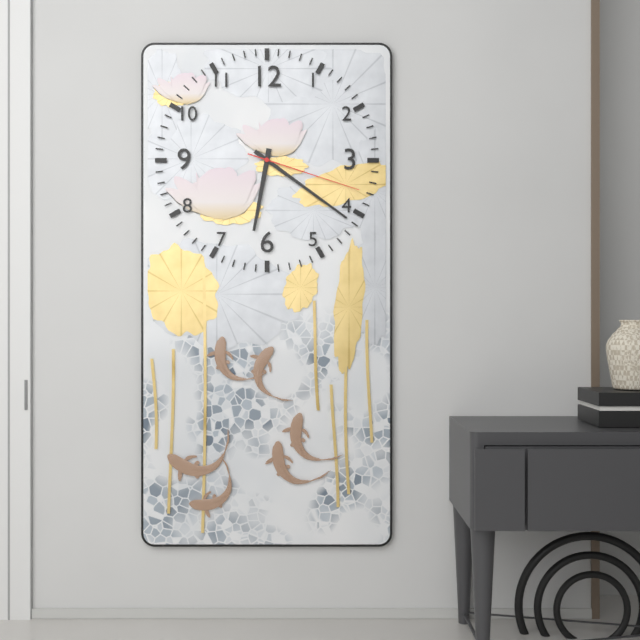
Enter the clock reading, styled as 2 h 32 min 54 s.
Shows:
6 h 21 min 18 s
